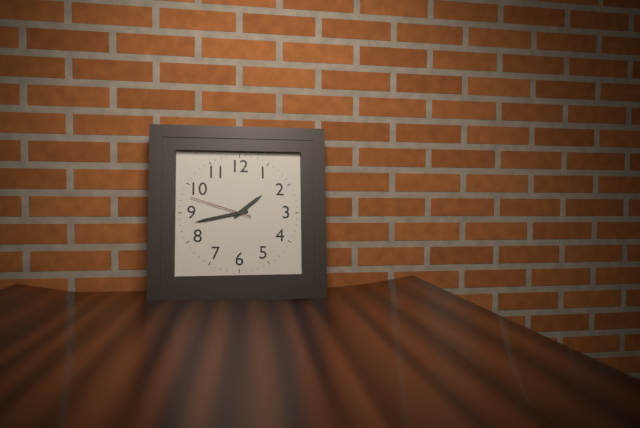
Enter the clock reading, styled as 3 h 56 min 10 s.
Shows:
1 h 43 min 48 s
